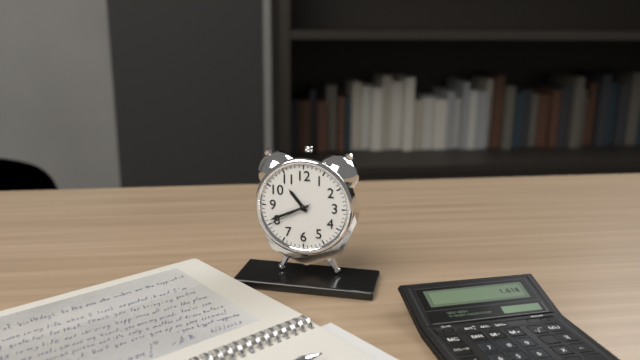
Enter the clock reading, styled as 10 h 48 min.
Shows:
10 h 41 min
